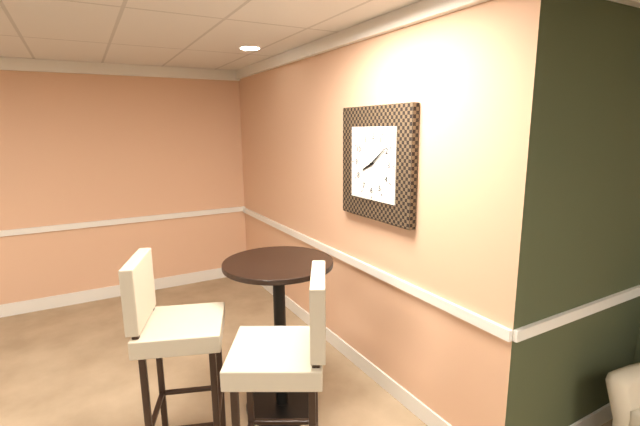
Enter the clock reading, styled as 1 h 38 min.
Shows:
8 h 09 min
